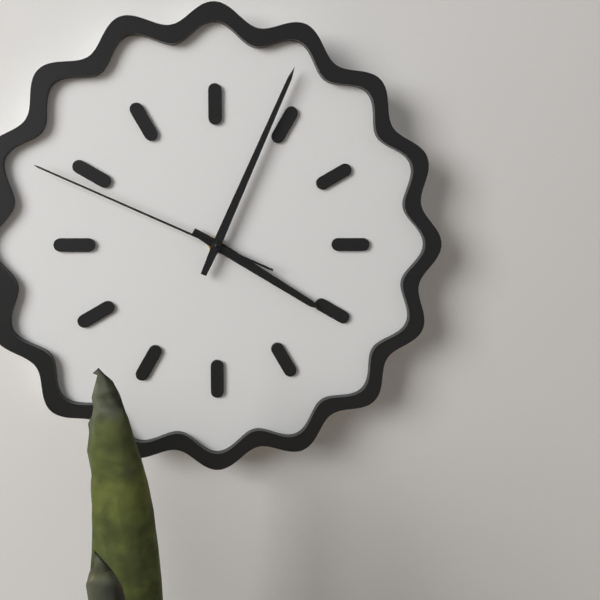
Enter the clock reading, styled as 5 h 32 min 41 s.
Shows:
4 h 04 min 49 s
